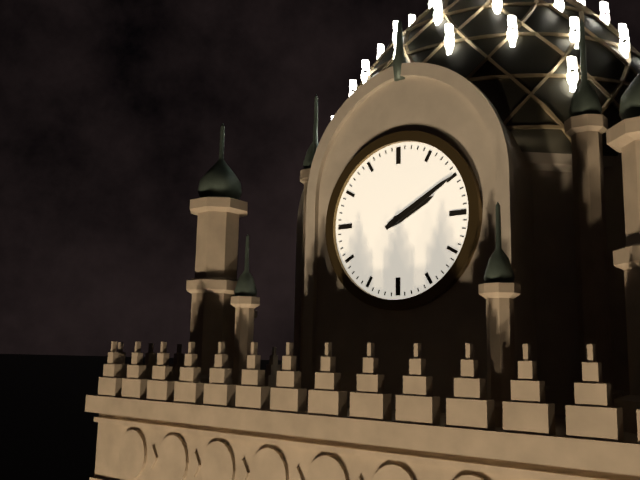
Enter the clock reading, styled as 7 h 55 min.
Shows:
2 h 10 min
